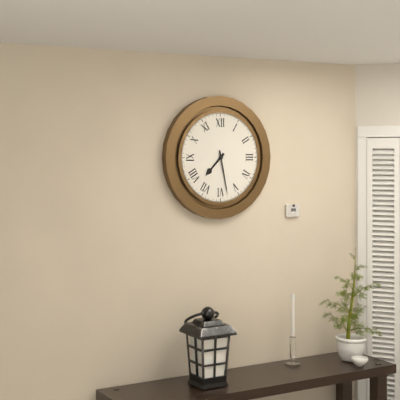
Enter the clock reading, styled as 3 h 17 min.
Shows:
7 h 28 min
